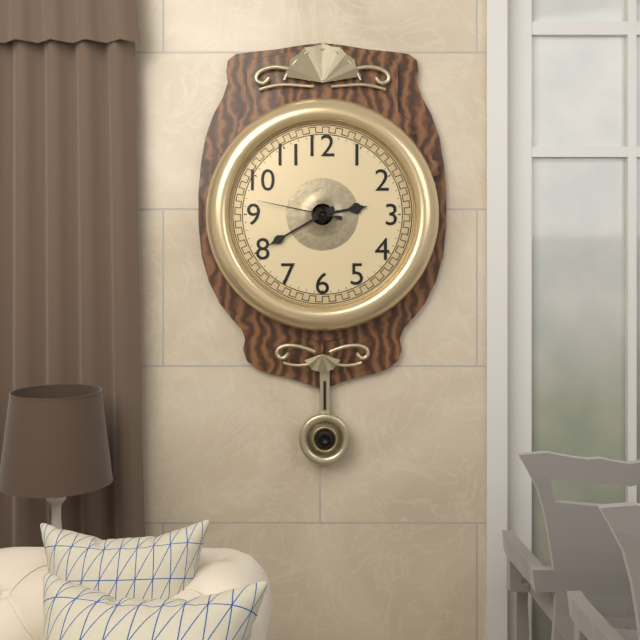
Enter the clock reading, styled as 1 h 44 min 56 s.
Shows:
2 h 40 min 47 s
